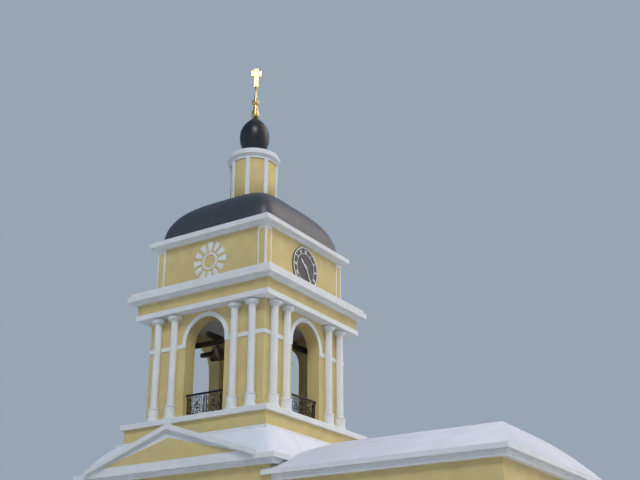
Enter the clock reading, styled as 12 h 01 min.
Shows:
10 h 25 min
